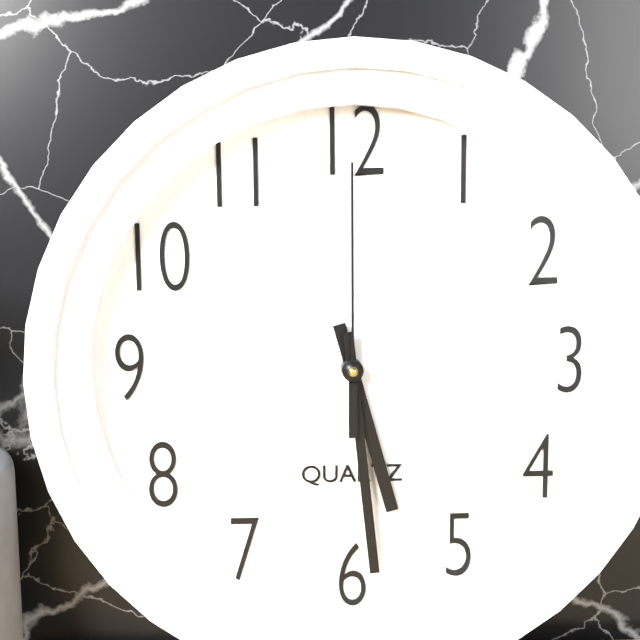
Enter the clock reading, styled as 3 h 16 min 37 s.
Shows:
5 h 29 min 00 s
